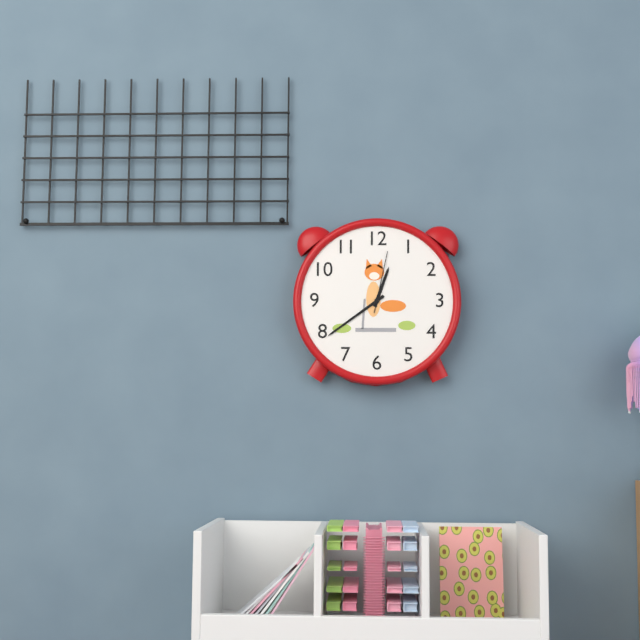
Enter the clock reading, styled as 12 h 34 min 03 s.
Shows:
12 h 39 min 02 s
